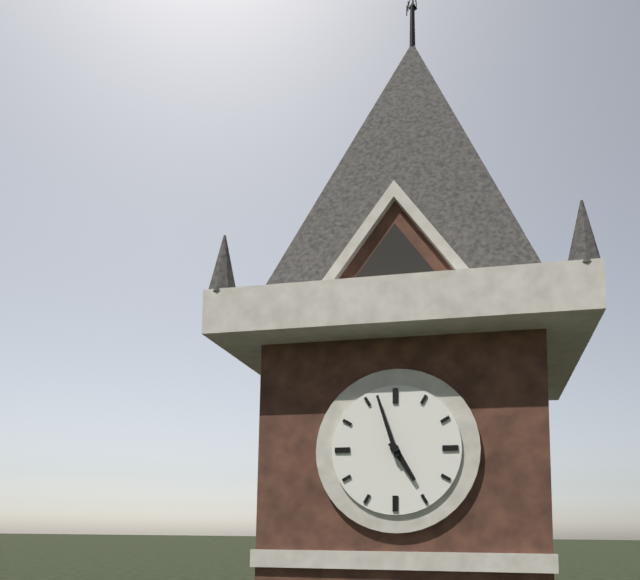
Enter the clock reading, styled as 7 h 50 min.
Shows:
4 h 57 min
